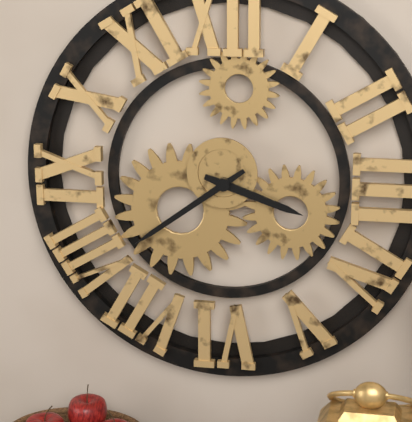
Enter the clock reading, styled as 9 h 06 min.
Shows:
3 h 39 min
